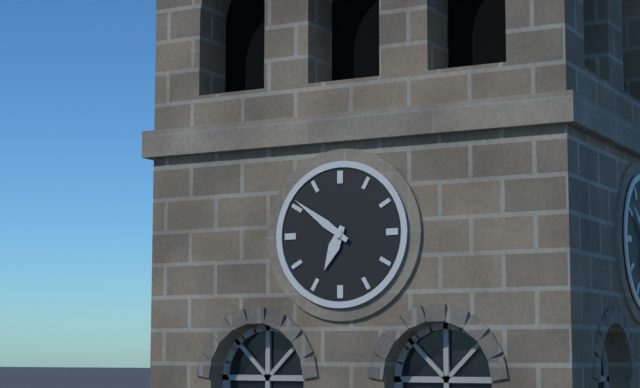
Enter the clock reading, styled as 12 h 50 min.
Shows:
6 h 51 min
